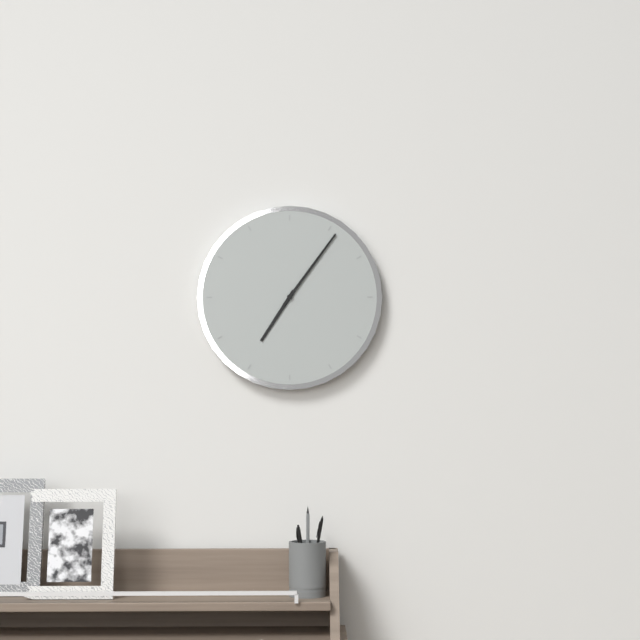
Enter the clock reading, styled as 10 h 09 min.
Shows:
7 h 06 min
